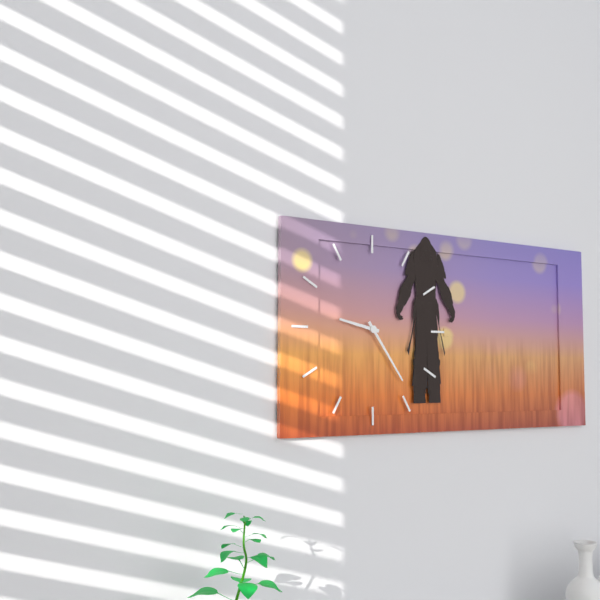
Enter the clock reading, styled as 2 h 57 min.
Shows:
9 h 24 min
